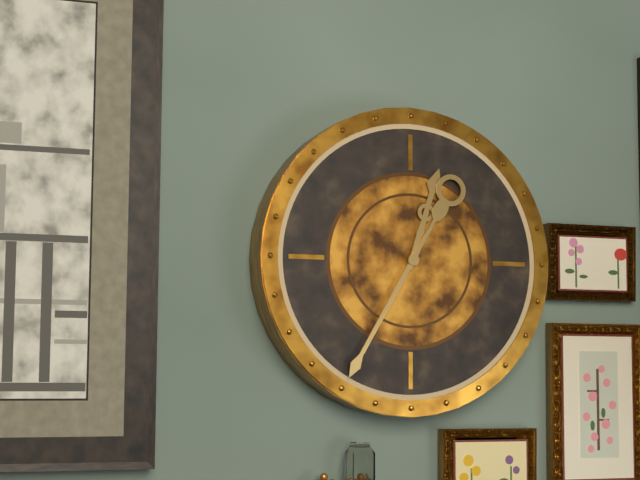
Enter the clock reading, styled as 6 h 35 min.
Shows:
12 h 35 min
